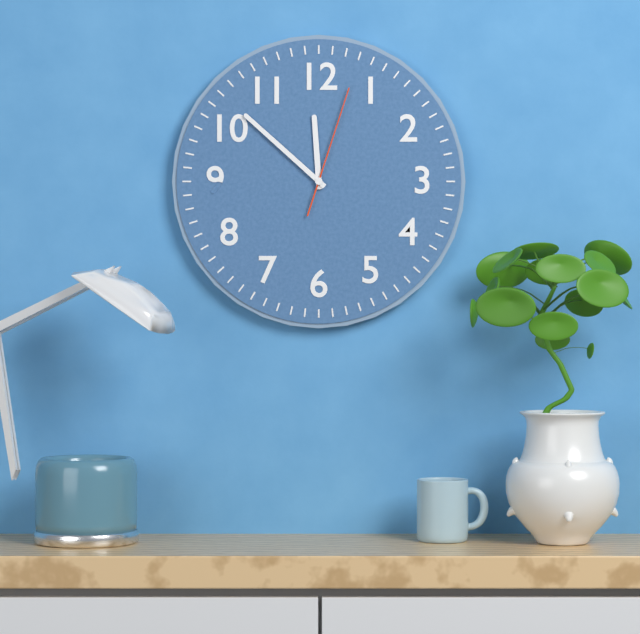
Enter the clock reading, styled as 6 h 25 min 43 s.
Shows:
11 h 52 min 03 s
